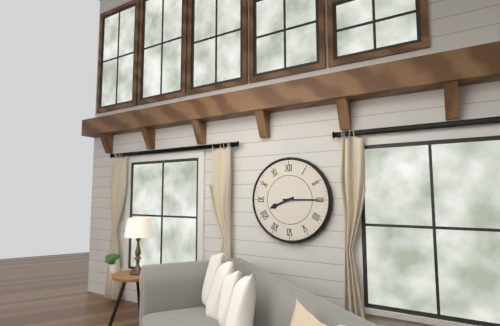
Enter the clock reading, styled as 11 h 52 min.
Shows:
8 h 15 min
